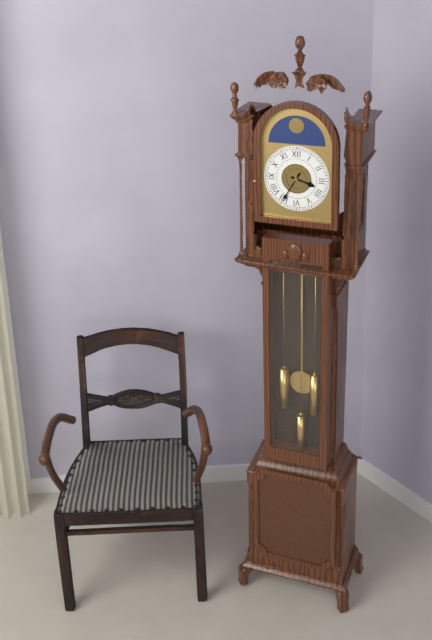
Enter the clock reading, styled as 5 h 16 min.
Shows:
3 h 35 min
